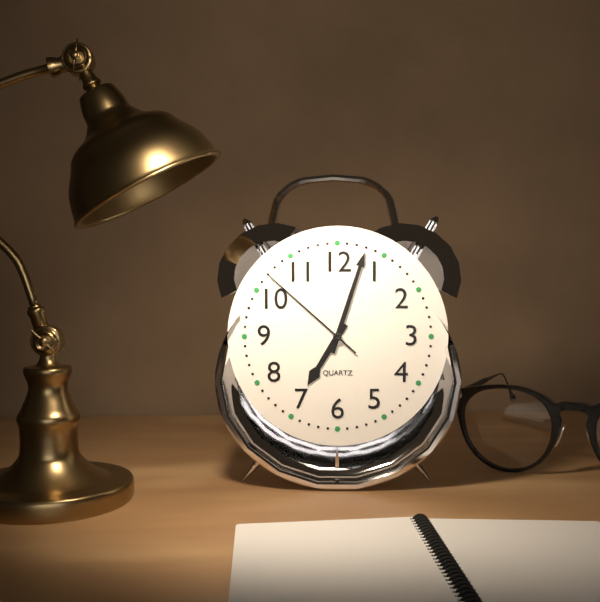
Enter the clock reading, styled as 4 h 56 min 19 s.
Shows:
7 h 03 min 52 s
